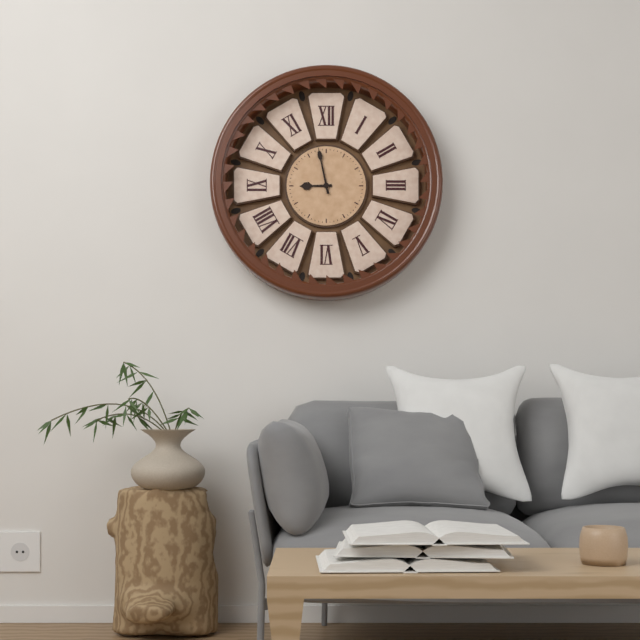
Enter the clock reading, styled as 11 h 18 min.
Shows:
8 h 58 min
